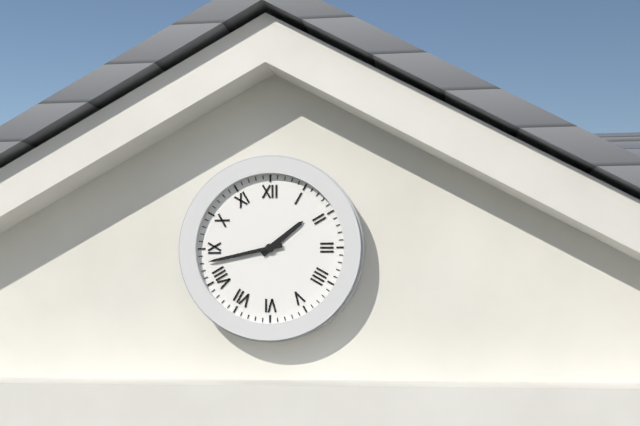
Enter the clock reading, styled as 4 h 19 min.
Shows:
1 h 43 min
